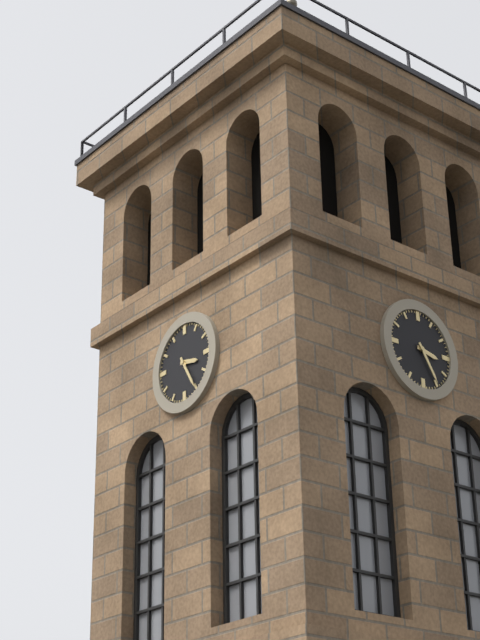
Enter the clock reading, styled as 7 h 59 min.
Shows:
3 h 25 min
